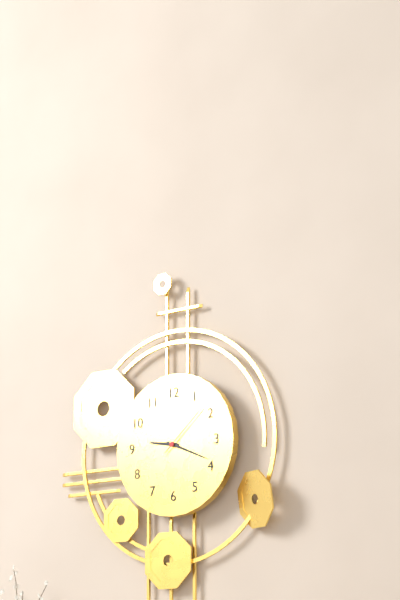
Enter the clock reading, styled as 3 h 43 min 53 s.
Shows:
9 h 19 min 08 s
